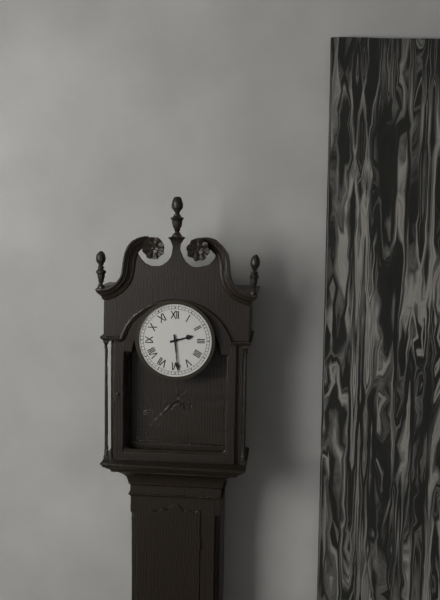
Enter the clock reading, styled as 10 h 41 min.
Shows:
2 h 29 min
